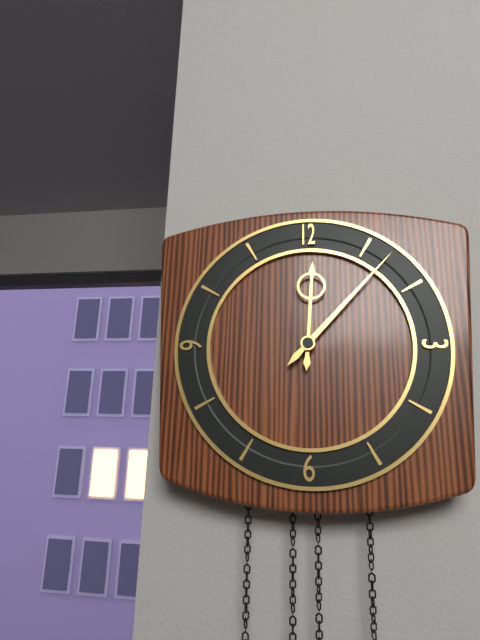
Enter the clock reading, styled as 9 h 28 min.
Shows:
12 h 07 min
